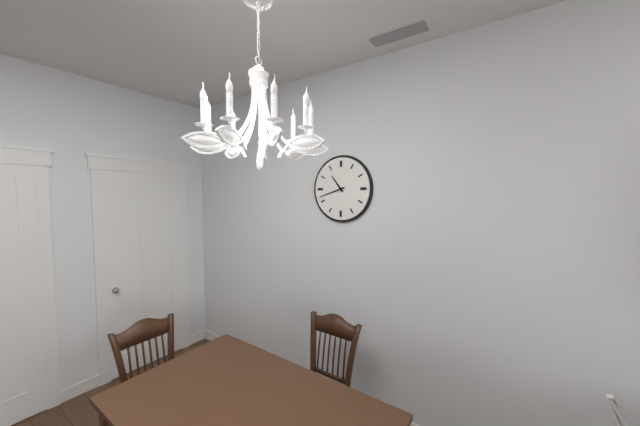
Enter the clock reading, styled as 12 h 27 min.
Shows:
10 h 42 min
